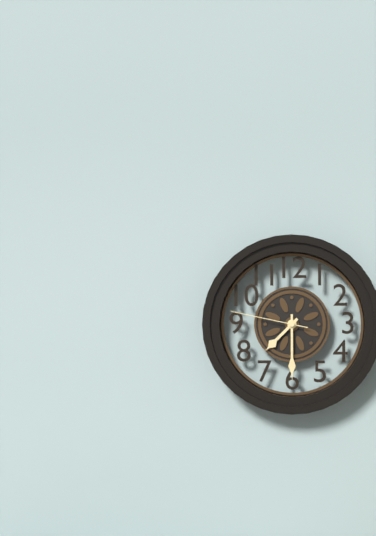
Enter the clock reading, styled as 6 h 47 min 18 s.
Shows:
7 h 30 min 47 s
